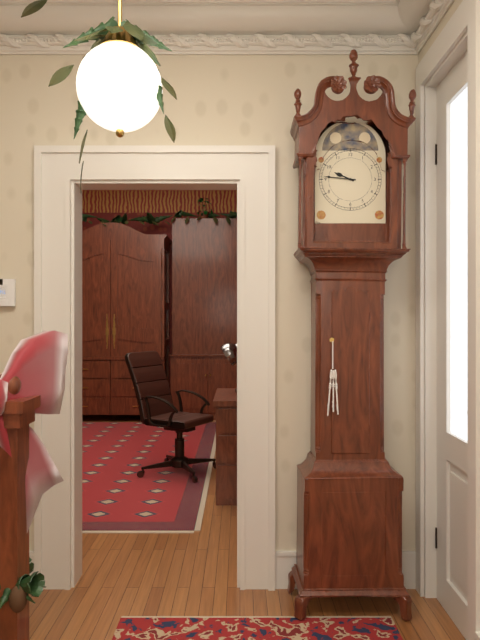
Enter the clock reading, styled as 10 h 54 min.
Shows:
9 h 46 min
